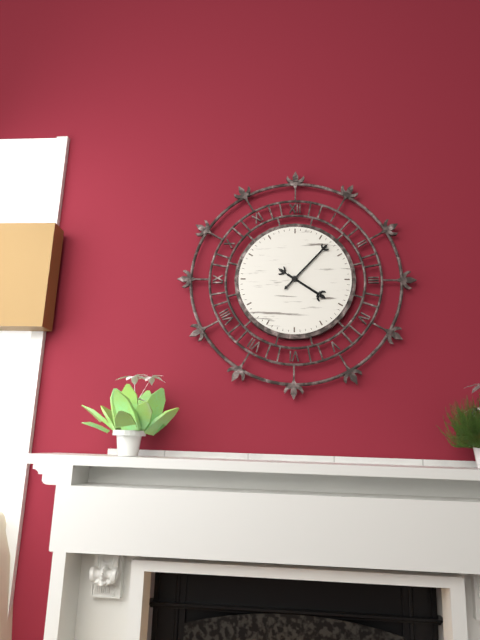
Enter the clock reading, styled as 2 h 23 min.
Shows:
4 h 07 min
